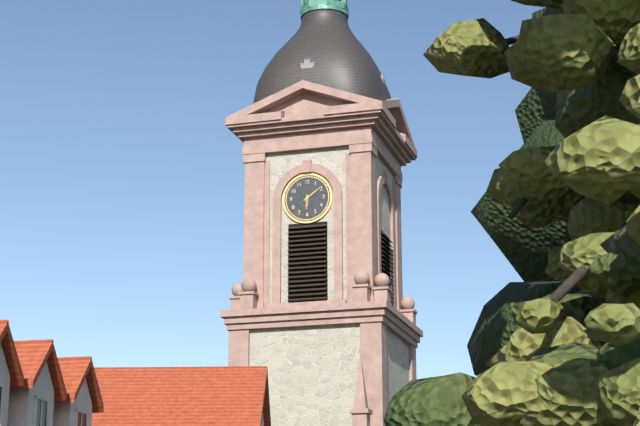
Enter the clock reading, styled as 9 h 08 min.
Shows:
6 h 09 min
